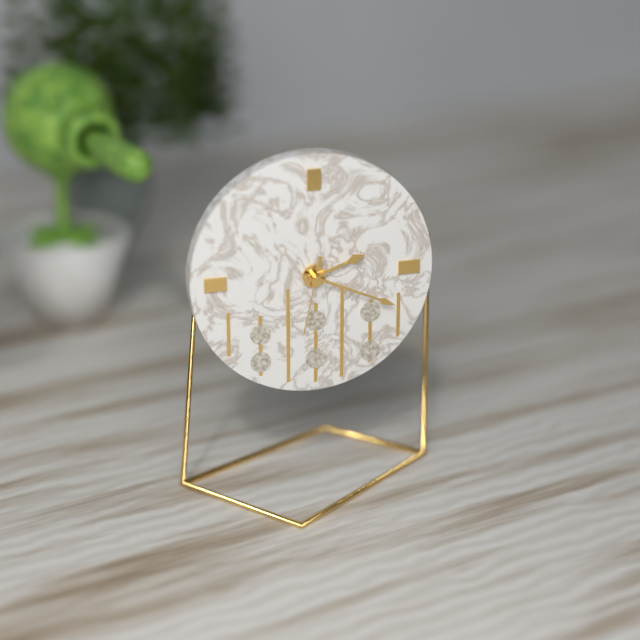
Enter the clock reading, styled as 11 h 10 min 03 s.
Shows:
2 h 19 min 32 s
